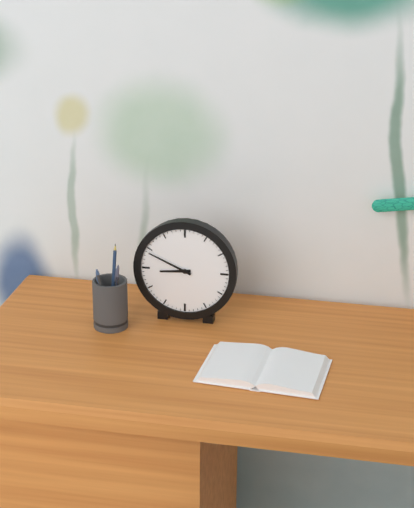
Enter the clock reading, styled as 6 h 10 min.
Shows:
8 h 49 min
